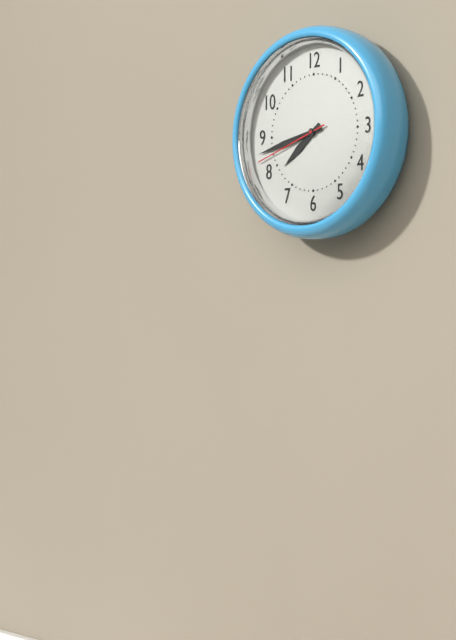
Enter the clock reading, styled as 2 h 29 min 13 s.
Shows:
7 h 43 min 42 s
